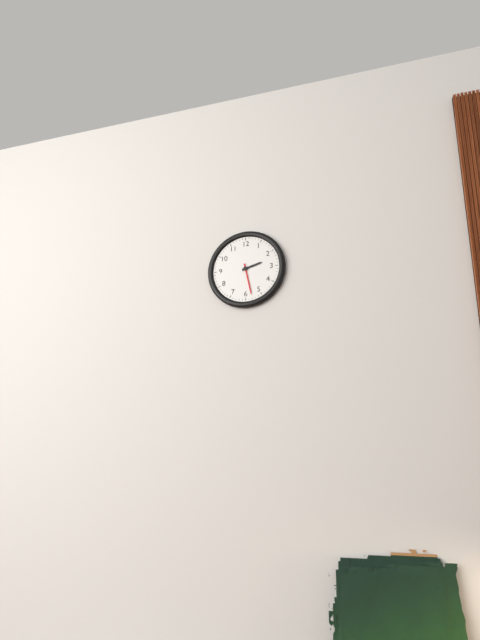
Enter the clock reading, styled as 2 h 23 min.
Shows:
2 h 28 min
